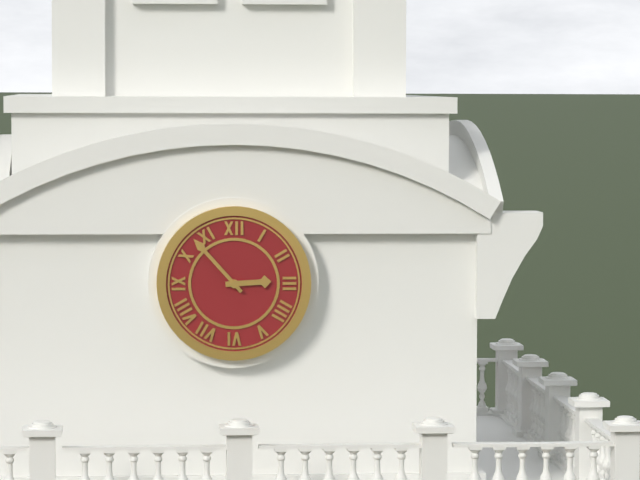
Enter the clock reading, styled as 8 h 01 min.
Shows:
2 h 53 min
